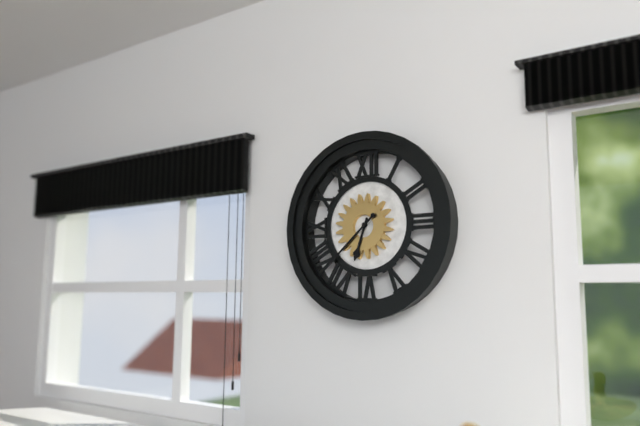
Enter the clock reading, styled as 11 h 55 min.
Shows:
6 h 38 min
